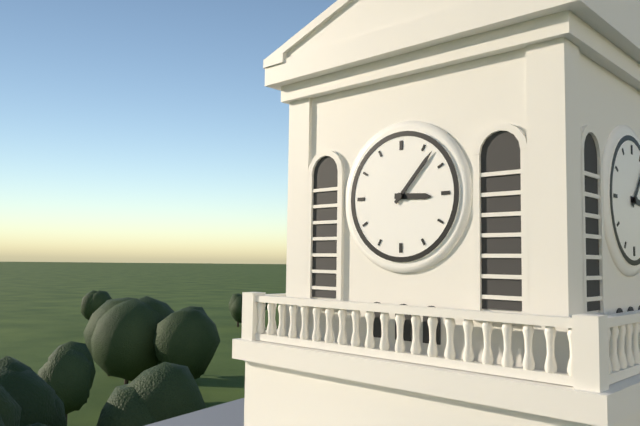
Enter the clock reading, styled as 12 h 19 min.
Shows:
3 h 07 min
